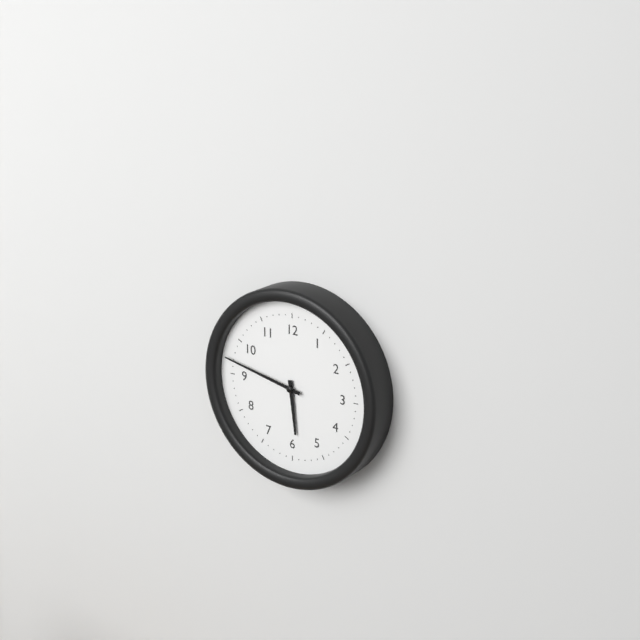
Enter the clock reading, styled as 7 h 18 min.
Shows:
5 h 47 min
